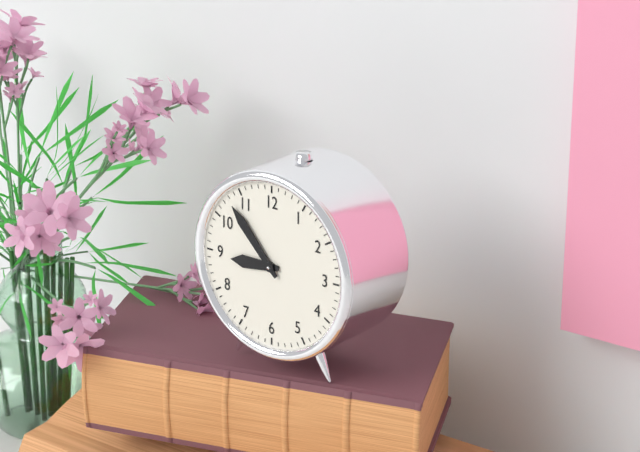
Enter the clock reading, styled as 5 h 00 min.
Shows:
8 h 53 min
